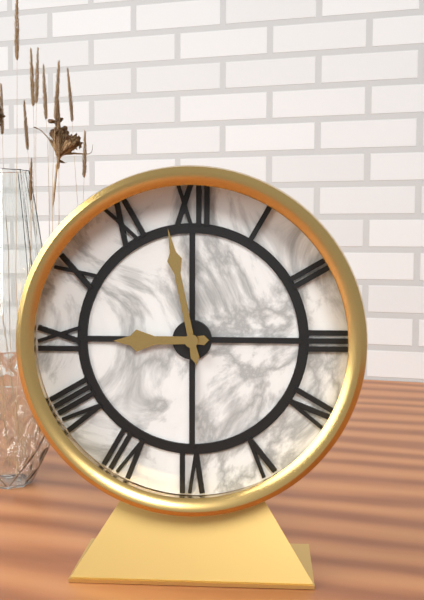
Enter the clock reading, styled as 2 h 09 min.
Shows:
8 h 58 min
